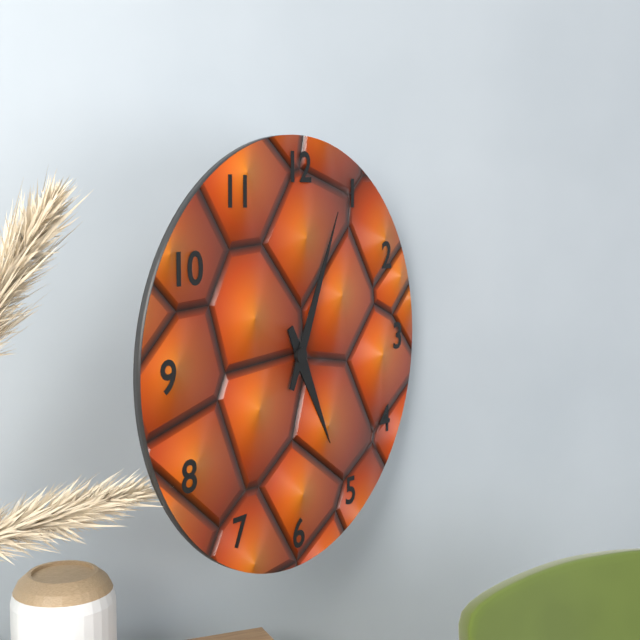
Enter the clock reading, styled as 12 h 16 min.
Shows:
5 h 04 min
